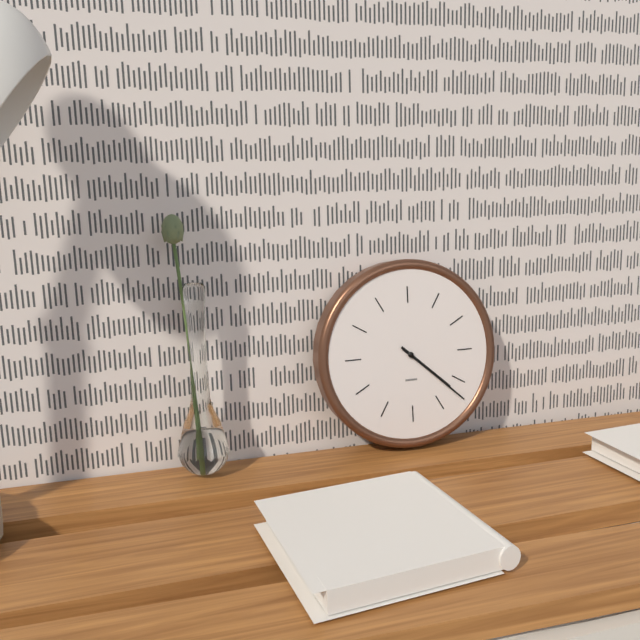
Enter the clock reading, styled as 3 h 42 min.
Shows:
4 h 22 min
